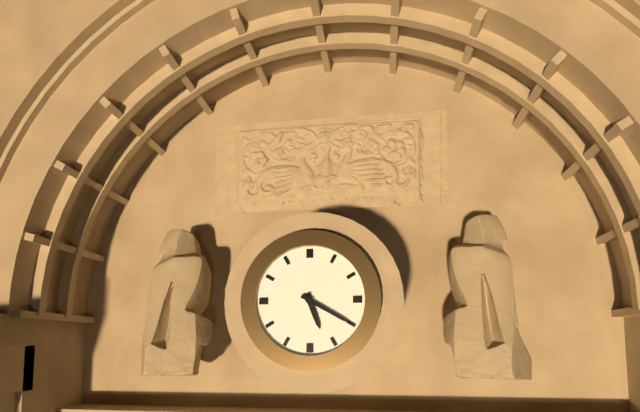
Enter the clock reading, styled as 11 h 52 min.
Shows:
5 h 20 min
